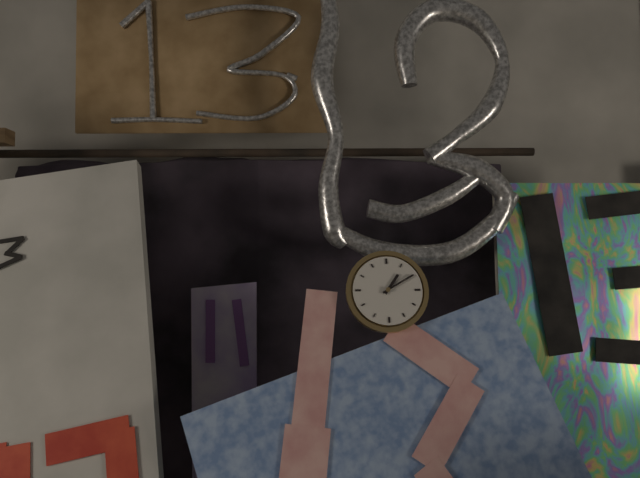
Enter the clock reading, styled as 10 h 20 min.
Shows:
1 h 10 min
